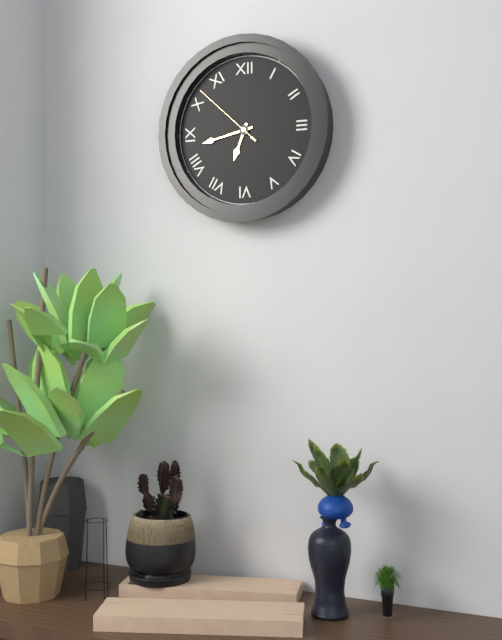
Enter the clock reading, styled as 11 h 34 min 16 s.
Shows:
6 h 43 min 52 s
